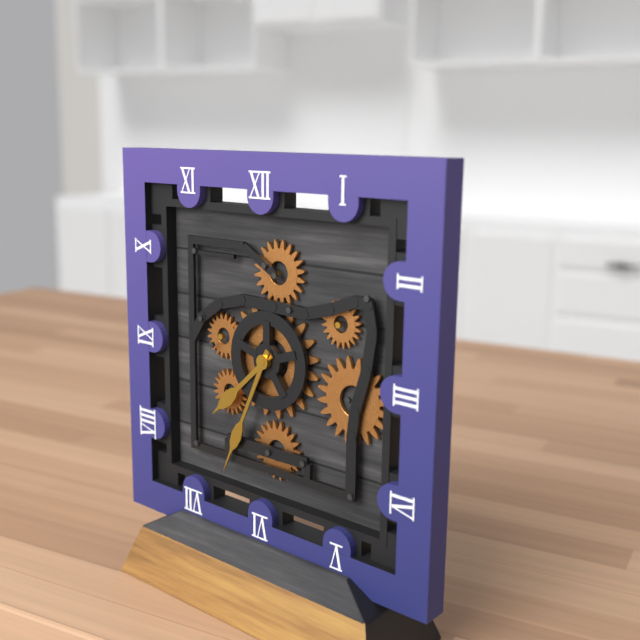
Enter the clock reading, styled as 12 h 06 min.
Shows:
7 h 34 min
